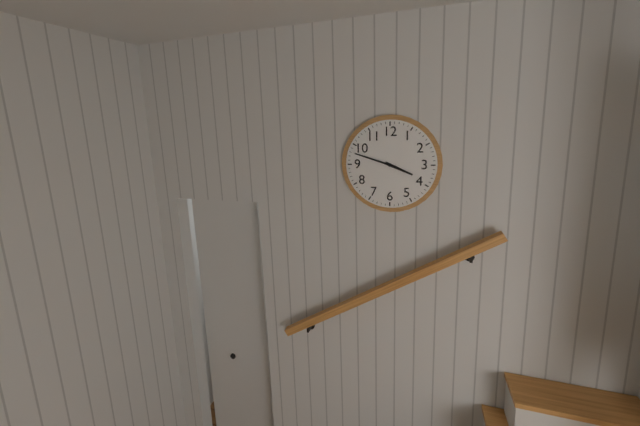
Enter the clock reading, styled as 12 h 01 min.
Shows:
3 h 48 min
